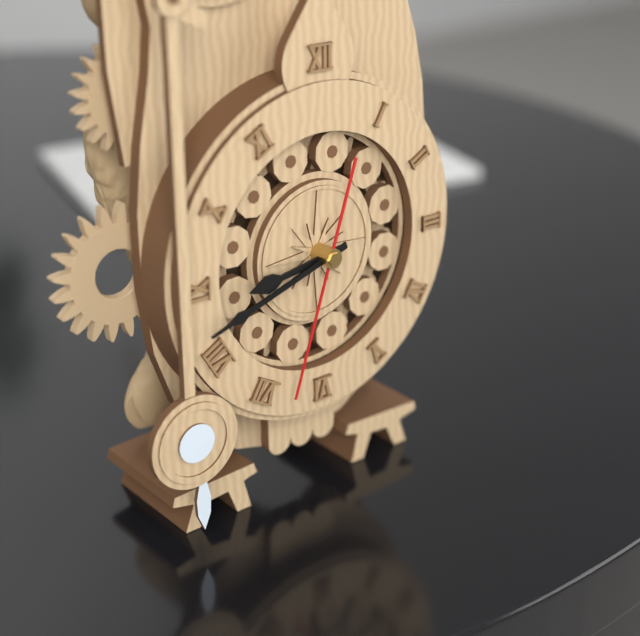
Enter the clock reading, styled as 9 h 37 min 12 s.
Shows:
8 h 42 min 33 s
